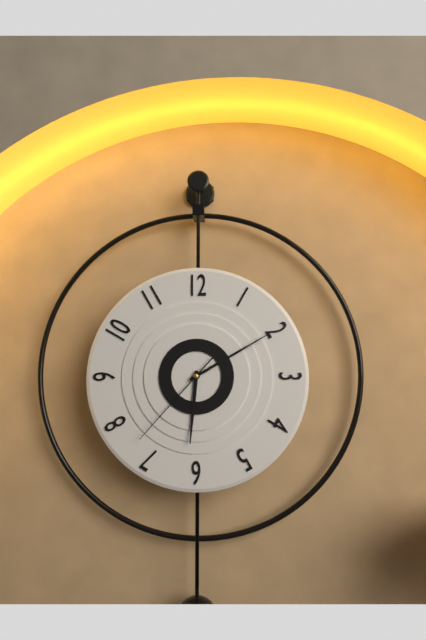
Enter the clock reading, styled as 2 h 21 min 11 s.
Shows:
6 h 10 min 37 s
